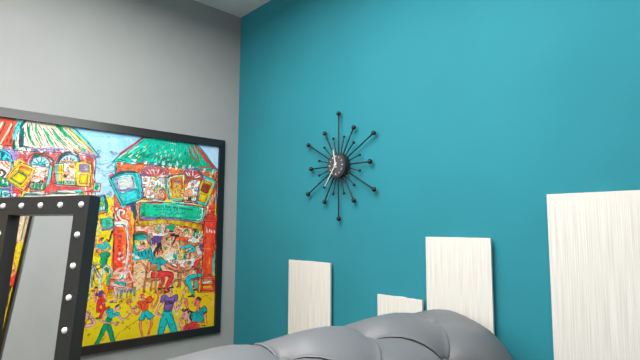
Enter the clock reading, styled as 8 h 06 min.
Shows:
11 h 36 min
